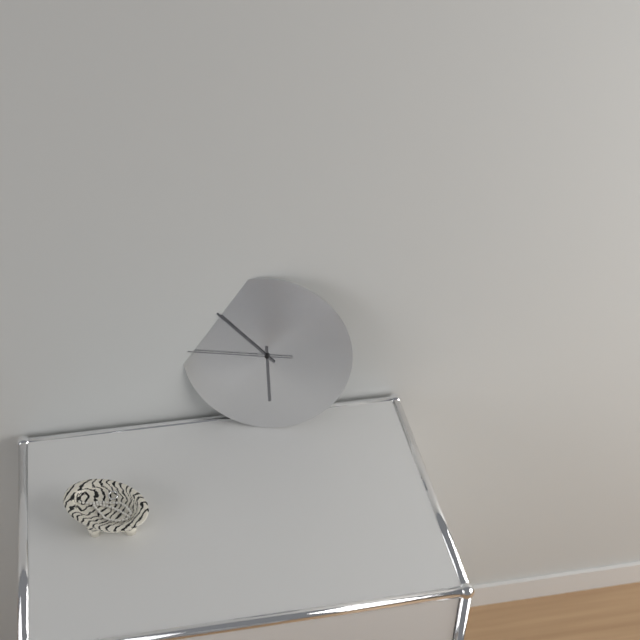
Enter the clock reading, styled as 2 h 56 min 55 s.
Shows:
5 h 52 min 45 s
